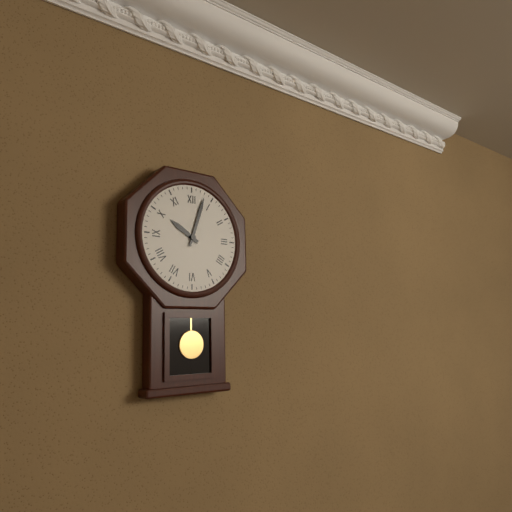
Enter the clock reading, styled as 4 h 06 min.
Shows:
10 h 03 min
